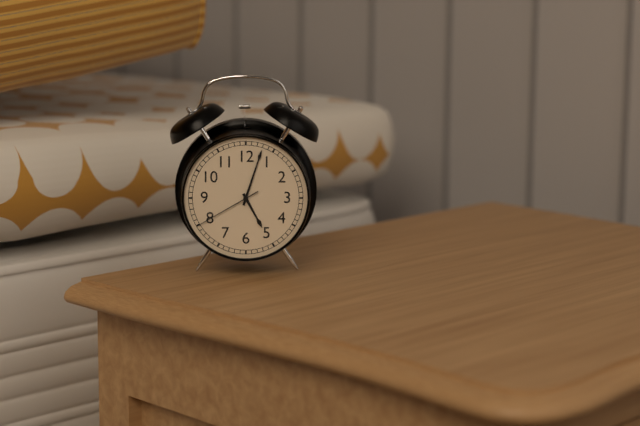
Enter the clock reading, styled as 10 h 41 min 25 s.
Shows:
5 h 03 min 40 s
